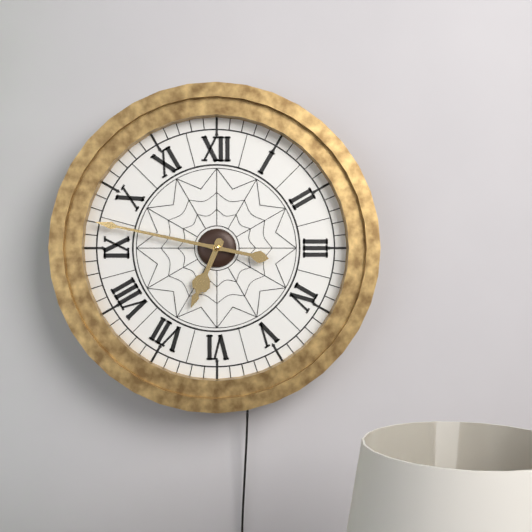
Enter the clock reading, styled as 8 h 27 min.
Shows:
6 h 47 min
